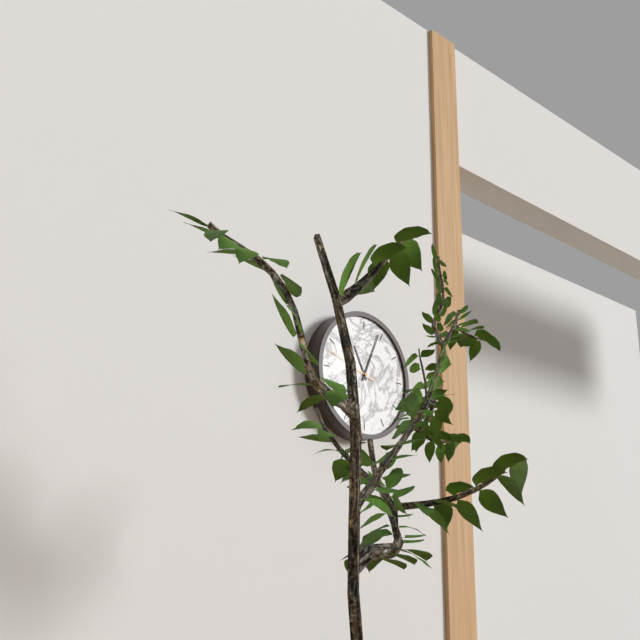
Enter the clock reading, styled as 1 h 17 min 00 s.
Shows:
11 h 04 min 48 s
